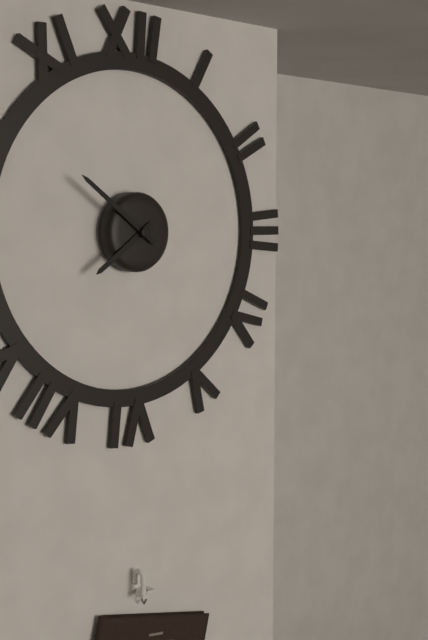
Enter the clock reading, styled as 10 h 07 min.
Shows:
7 h 51 min
